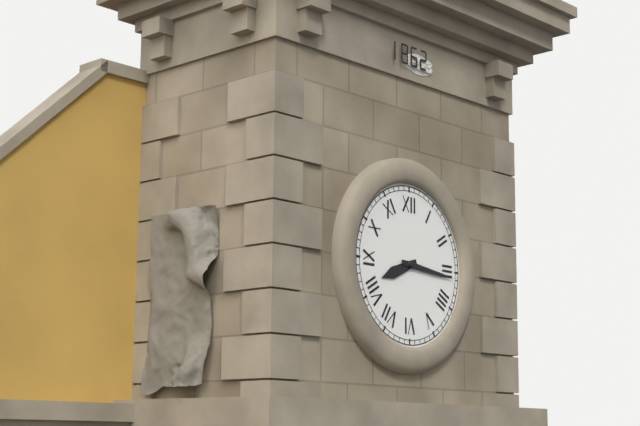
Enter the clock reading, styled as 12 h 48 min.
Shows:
8 h 16 min
